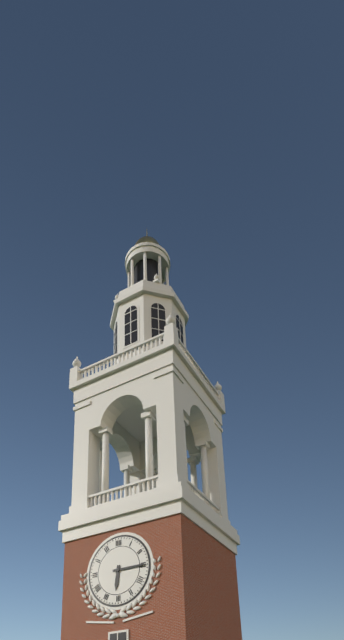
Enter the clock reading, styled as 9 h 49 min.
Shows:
6 h 15 min
